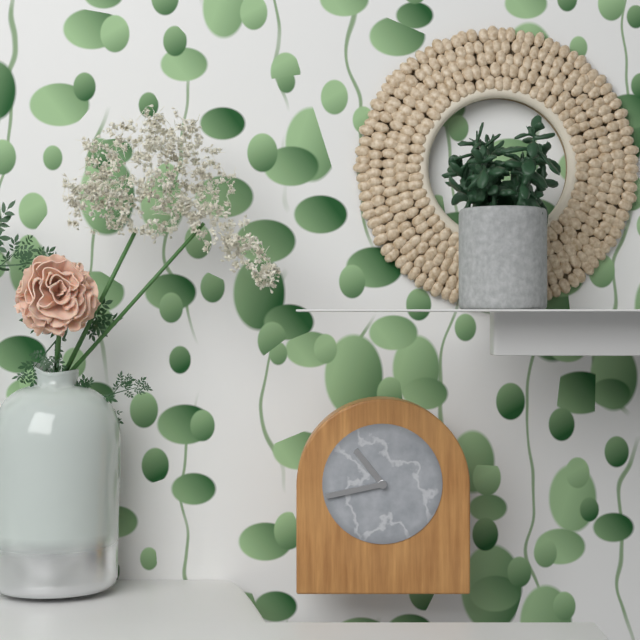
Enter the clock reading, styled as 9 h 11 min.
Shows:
10 h 43 min
